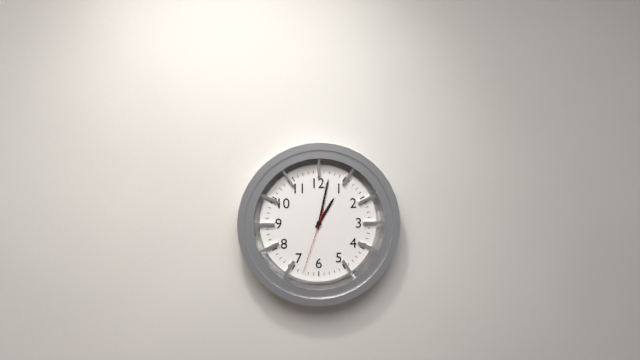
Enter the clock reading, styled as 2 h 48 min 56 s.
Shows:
1 h 02 min 33 s
